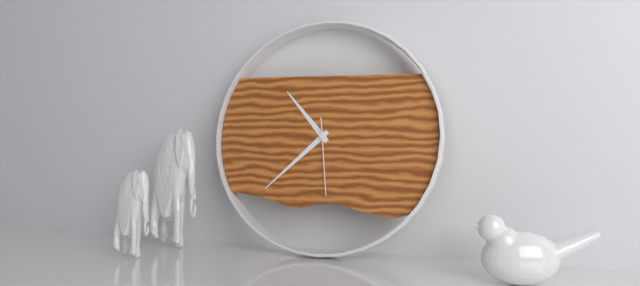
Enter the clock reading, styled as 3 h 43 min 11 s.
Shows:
10 h 38 min 29 s
